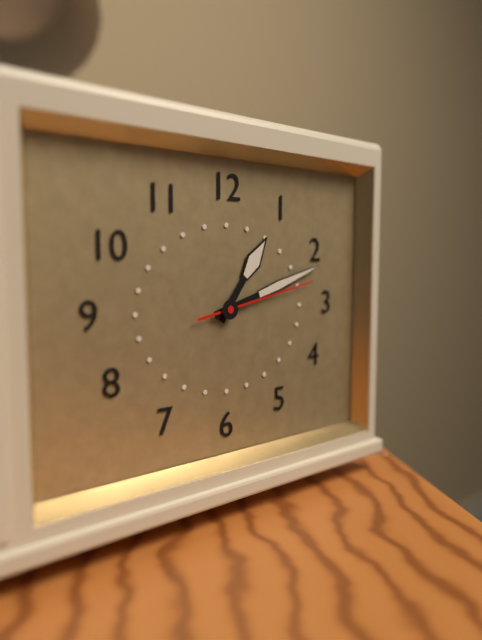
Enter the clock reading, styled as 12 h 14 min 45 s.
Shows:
1 h 12 min 13 s
